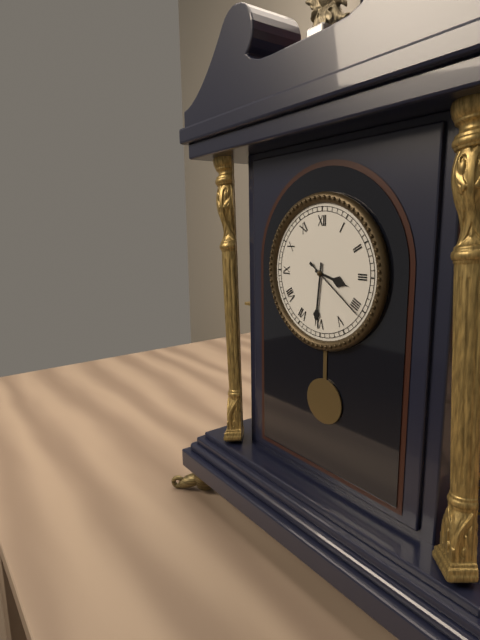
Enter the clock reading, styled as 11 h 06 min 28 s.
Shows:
3 h 31 min 21 s
